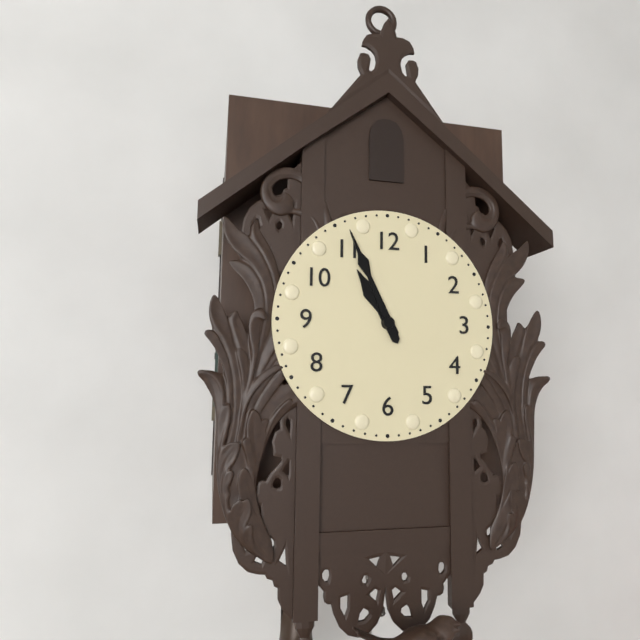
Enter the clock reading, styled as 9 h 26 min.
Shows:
10 h 56 min
